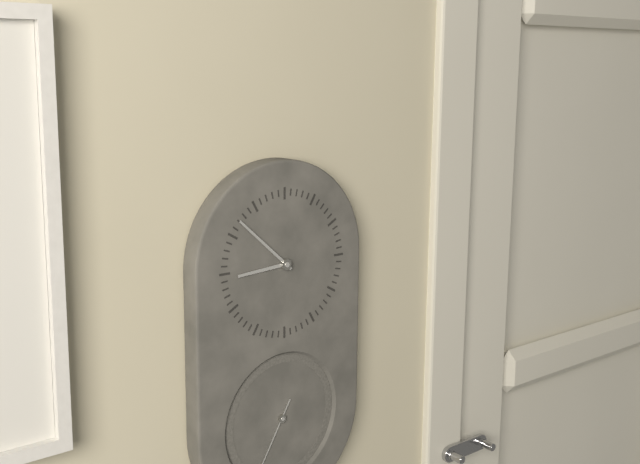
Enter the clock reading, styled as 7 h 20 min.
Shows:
8 h 52 min
